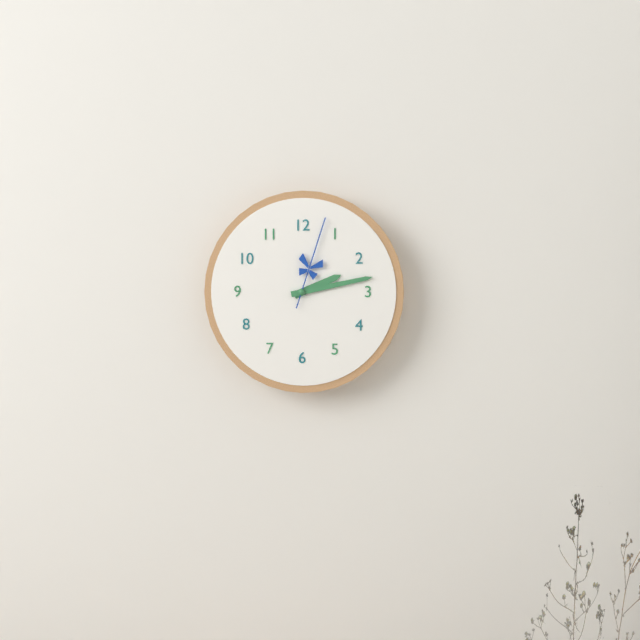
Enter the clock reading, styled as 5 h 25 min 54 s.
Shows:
2 h 13 min 03 s
